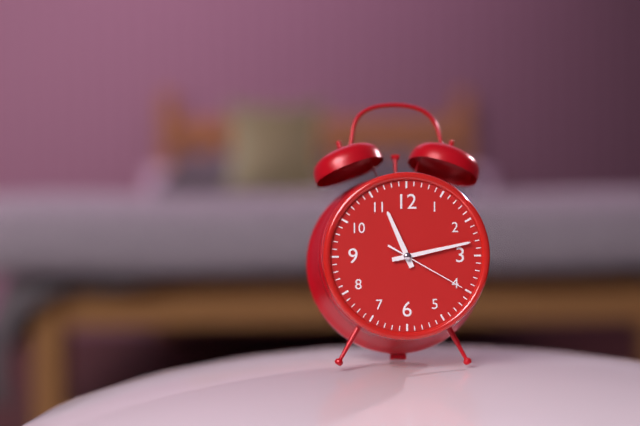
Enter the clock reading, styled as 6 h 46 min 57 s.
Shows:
11 h 13 min 20 s
